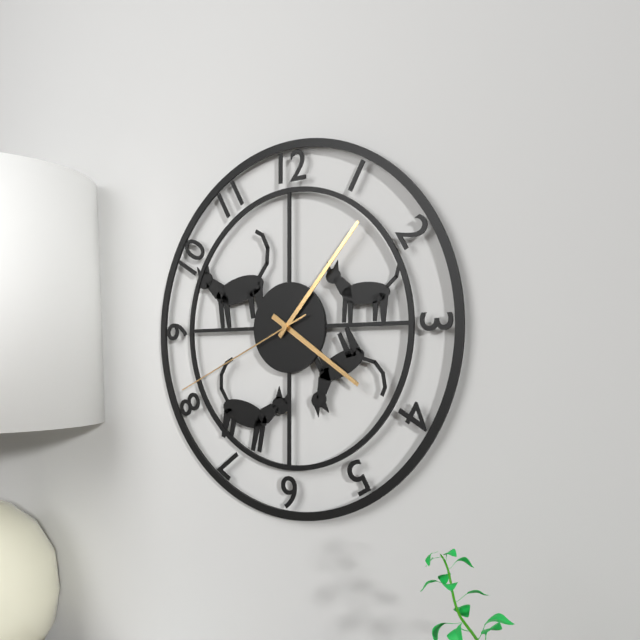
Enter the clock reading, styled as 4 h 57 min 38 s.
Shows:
4 h 07 min 41 s
